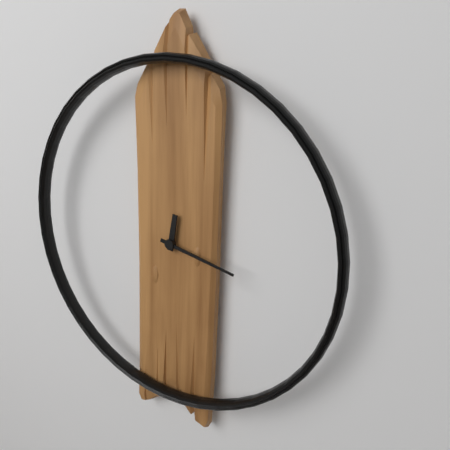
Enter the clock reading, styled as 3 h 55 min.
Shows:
12 h 17 min
